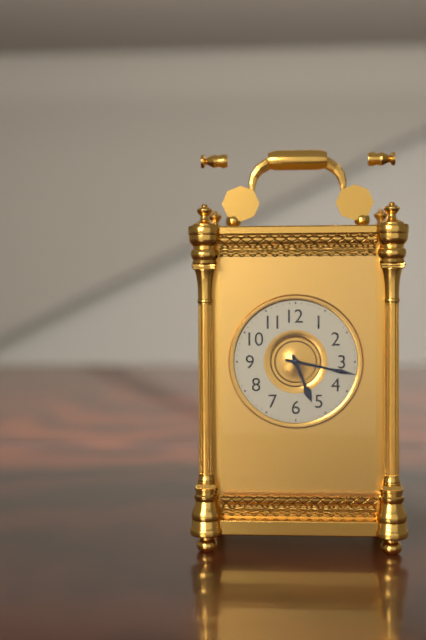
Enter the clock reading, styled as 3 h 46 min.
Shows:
5 h 17 min
